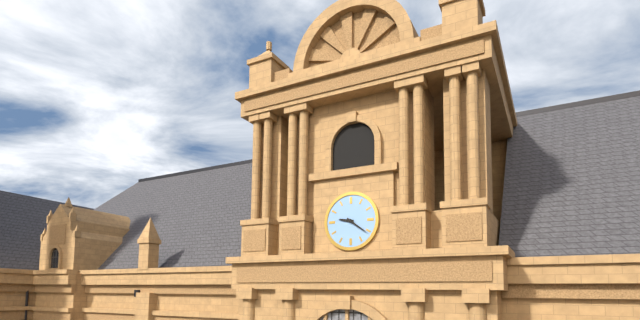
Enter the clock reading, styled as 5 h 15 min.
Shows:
9 h 21 min
